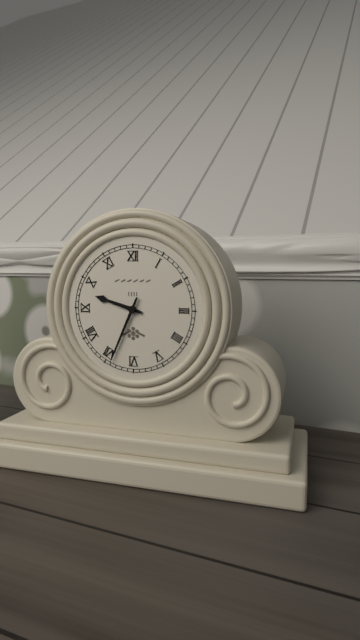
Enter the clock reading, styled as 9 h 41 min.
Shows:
9 h 34 min
